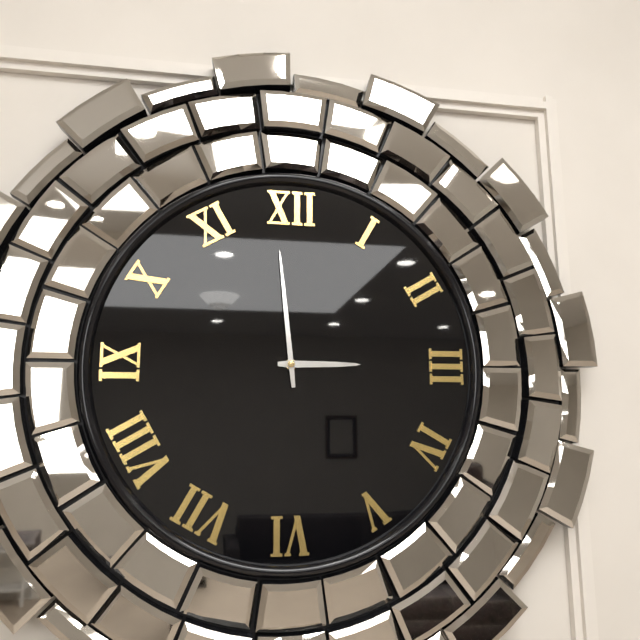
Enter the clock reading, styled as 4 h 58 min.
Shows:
2 h 59 min
